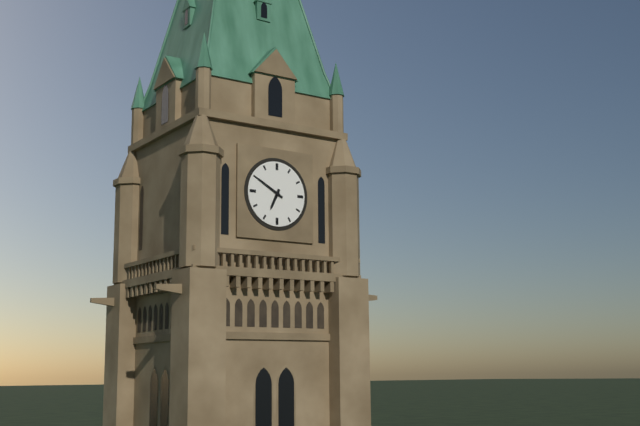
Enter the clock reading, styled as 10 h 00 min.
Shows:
6 h 50 min
